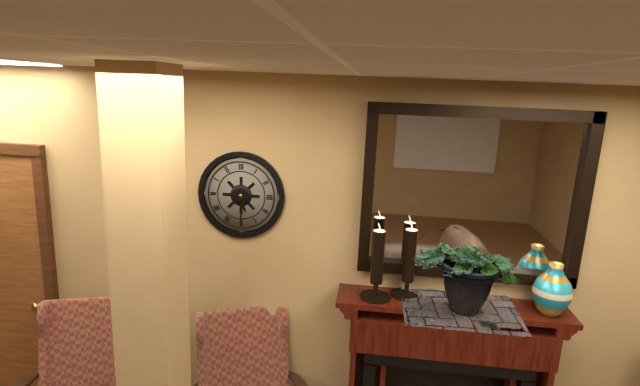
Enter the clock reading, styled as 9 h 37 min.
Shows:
5 h 30 min
